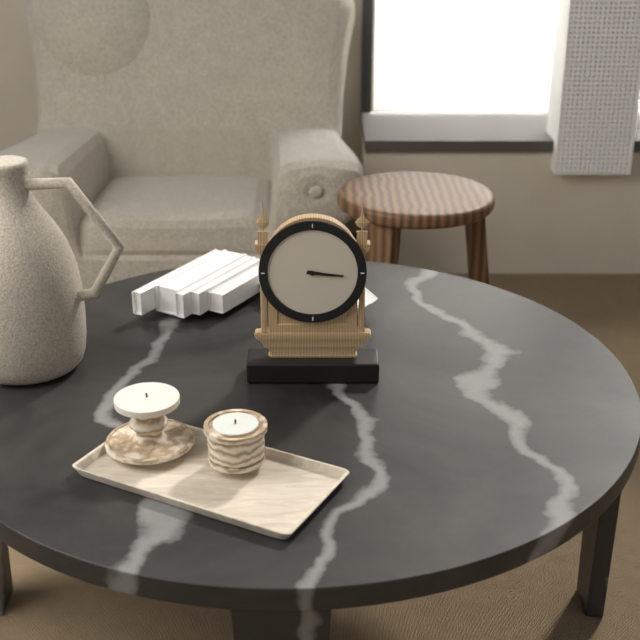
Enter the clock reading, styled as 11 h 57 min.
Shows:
3 h 16 min
